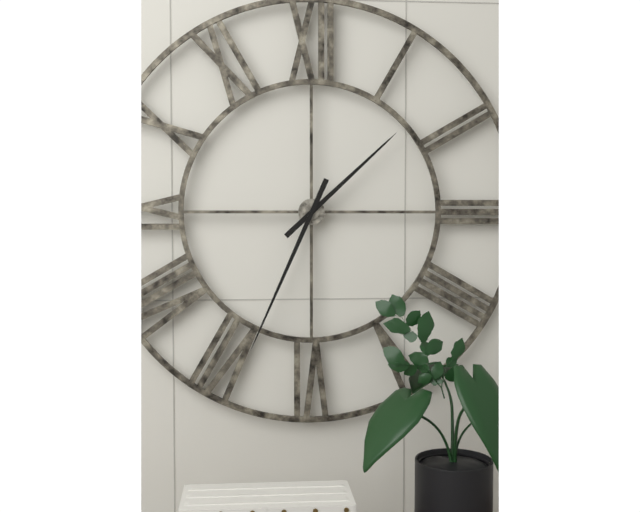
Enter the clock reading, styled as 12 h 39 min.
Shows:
1 h 34 min
